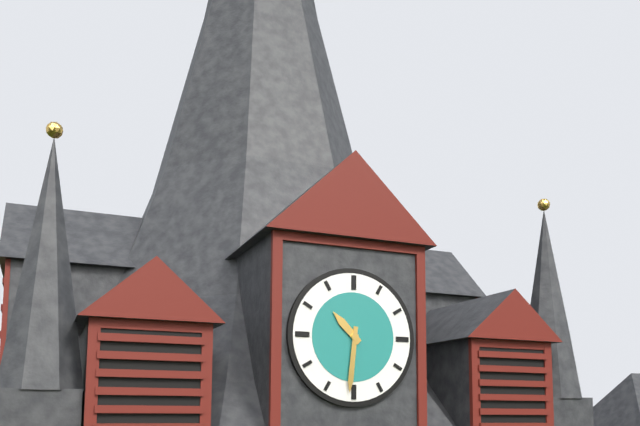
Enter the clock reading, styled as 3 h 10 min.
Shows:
10 h 31 min
